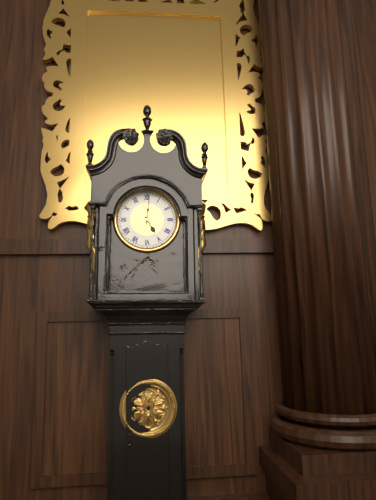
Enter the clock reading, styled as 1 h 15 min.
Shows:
5 h 01 min
